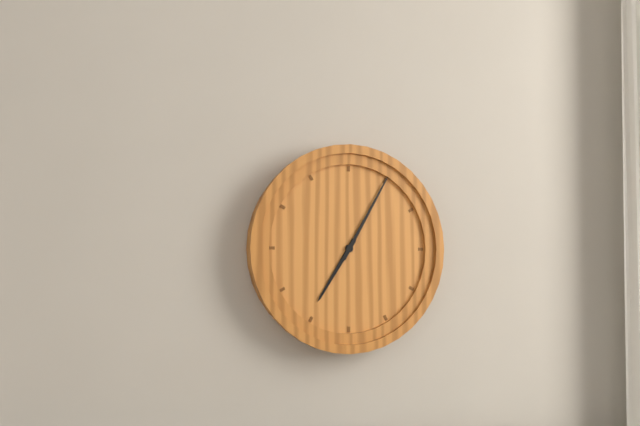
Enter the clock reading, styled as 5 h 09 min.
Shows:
7 h 05 min
